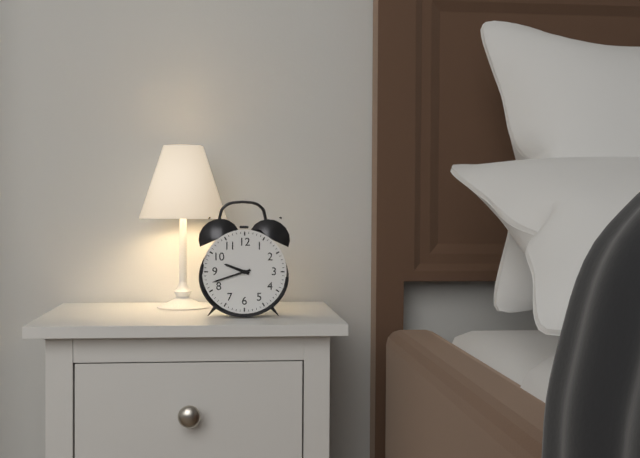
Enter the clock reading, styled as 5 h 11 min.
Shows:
9 h 42 min
